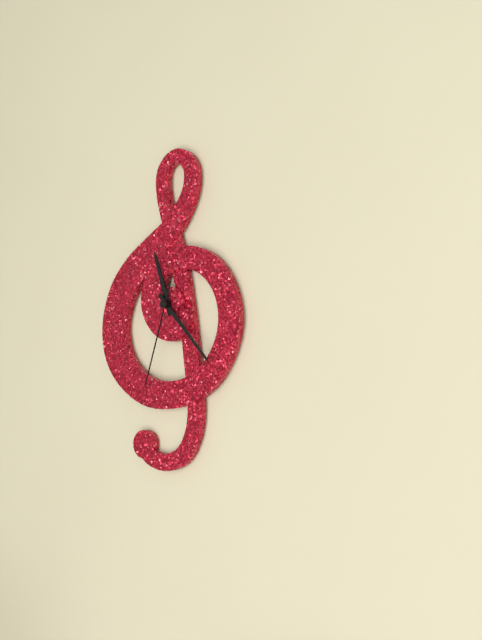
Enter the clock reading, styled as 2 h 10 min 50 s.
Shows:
11 h 23 min 33 s
